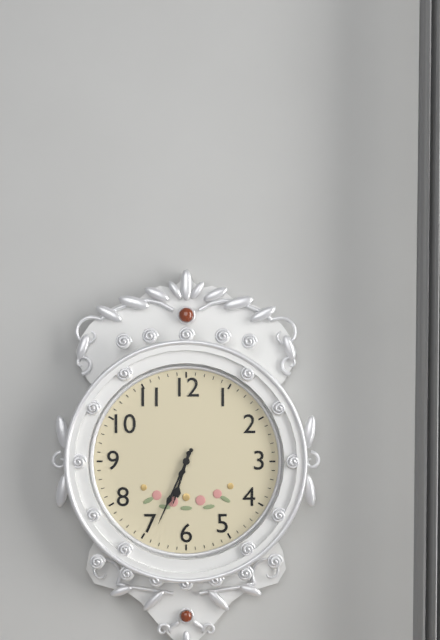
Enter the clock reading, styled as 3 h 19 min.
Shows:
6 h 34 min
